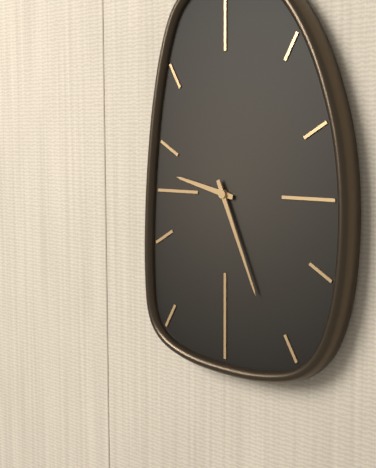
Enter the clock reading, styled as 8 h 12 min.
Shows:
9 h 26 min
